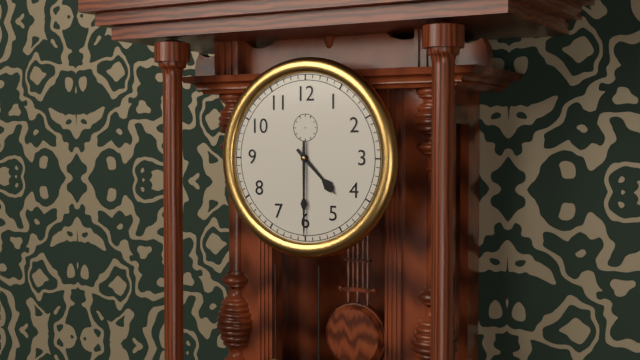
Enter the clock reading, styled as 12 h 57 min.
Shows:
4 h 30 min
